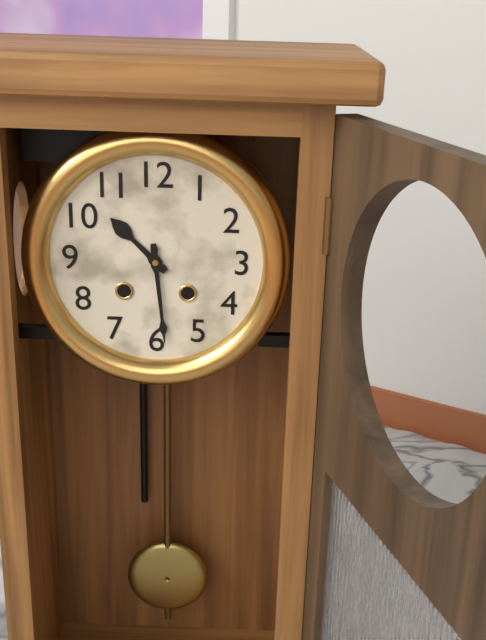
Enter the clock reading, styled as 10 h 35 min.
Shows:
10 h 29 min
